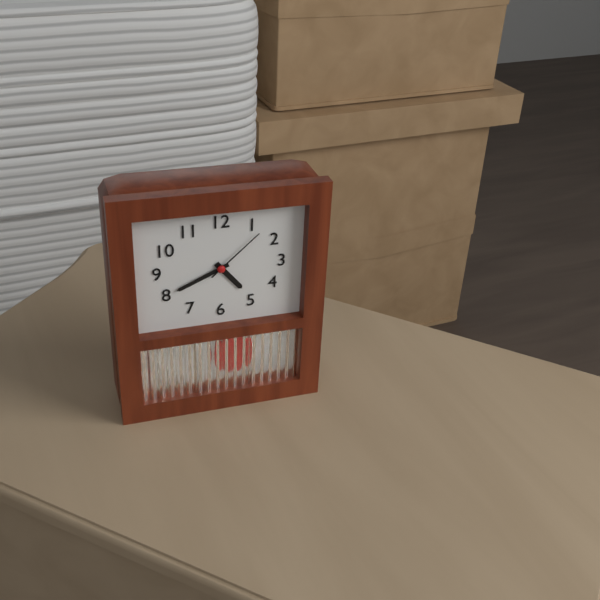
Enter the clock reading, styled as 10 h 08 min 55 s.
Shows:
4 h 41 min 08 s
